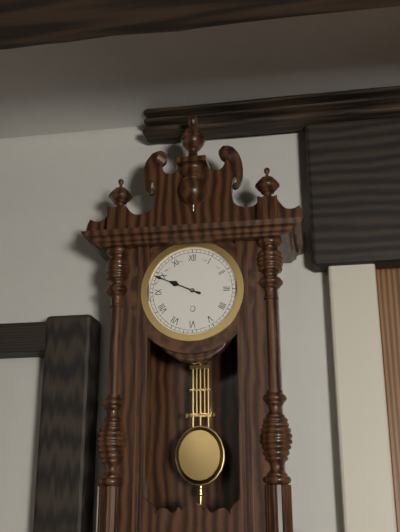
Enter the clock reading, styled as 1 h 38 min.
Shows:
9 h 49 min
